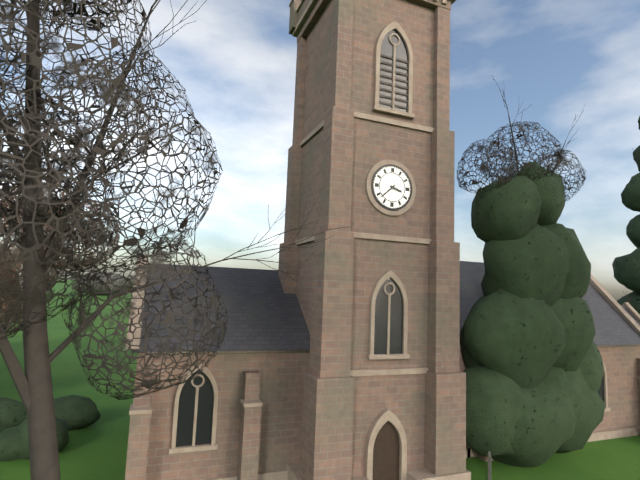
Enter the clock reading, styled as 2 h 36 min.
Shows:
3 h 38 min
